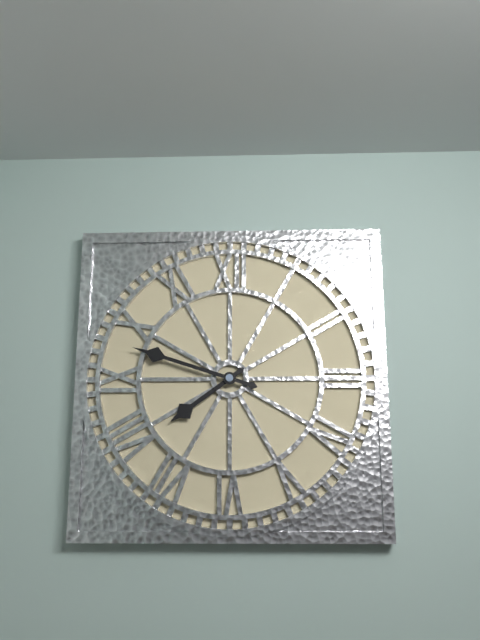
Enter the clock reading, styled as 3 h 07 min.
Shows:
7 h 48 min
